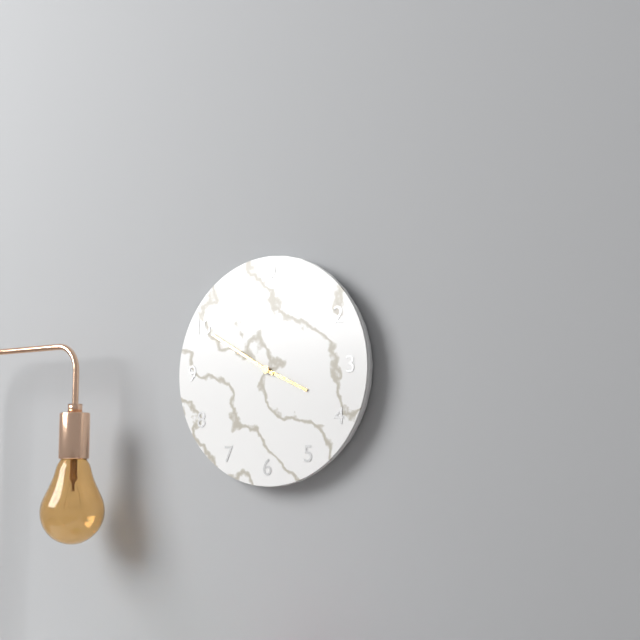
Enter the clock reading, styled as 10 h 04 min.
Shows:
3 h 50 min
